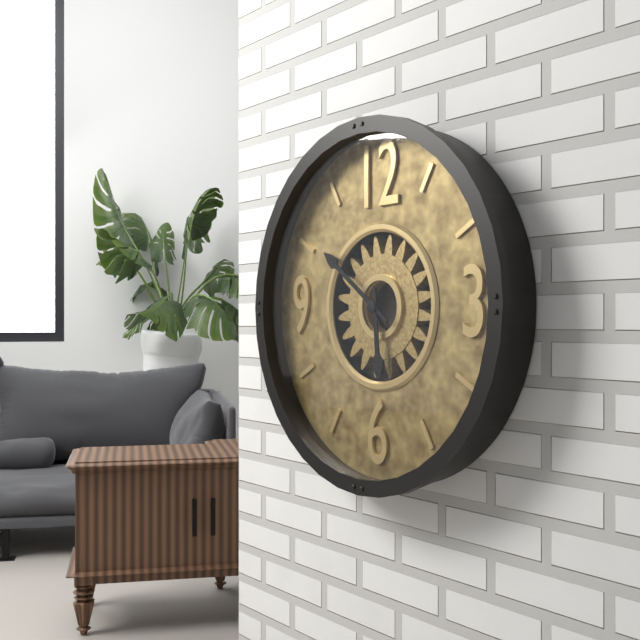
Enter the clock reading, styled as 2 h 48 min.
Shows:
5 h 51 min
